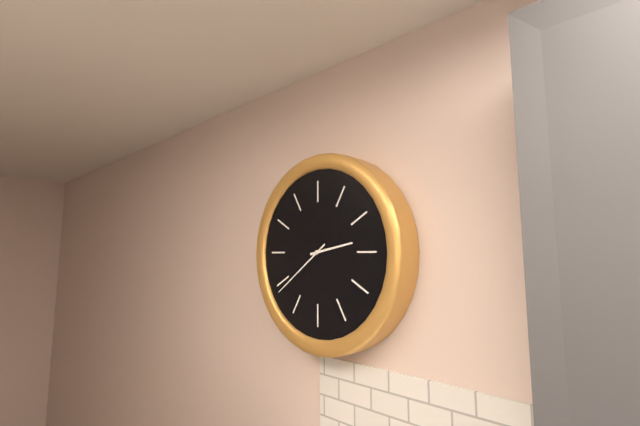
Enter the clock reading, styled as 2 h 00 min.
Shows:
2 h 39 min
